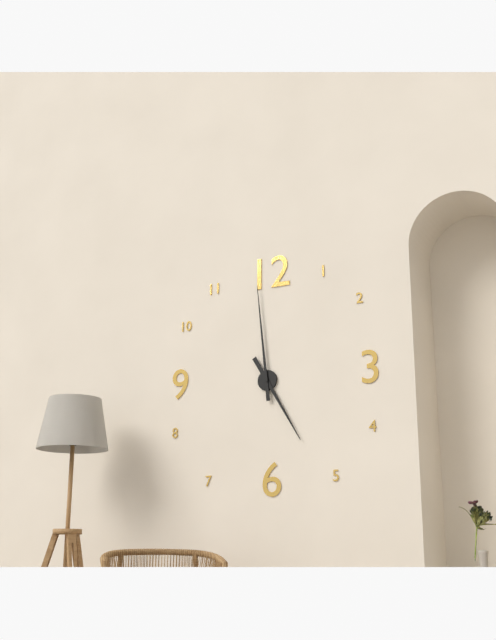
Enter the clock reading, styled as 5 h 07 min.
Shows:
4 h 59 min
